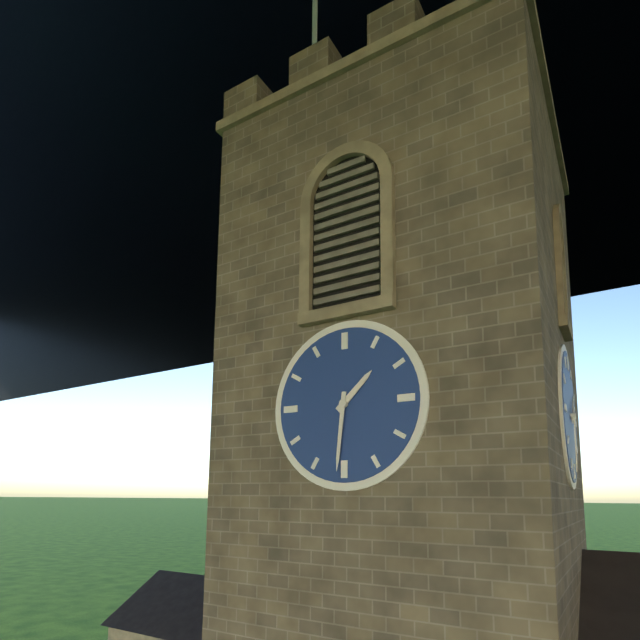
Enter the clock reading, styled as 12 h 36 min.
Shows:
1 h 31 min
